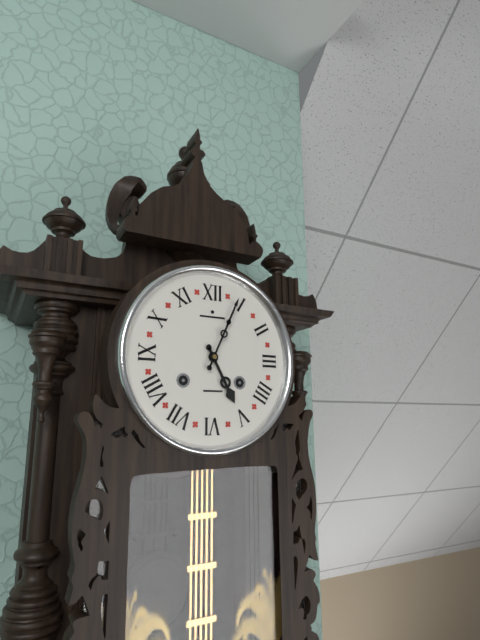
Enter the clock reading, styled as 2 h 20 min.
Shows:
5 h 04 min
